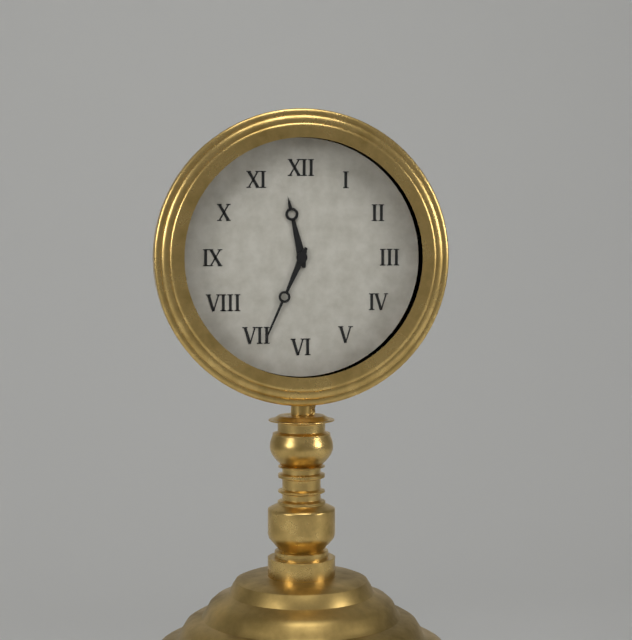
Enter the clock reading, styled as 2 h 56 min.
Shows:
11 h 34 min
